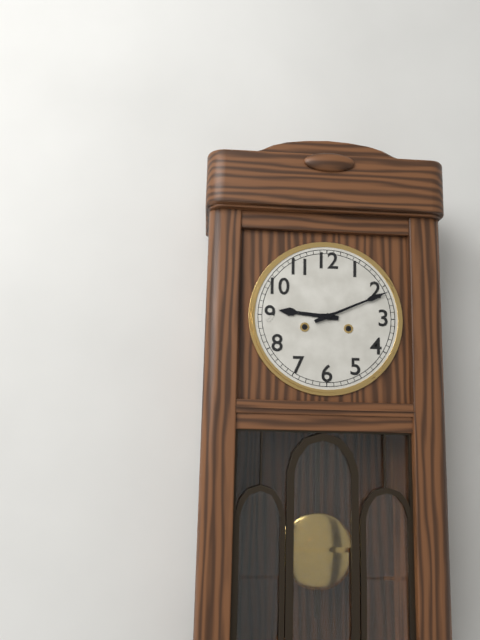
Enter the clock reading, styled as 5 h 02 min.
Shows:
9 h 11 min
